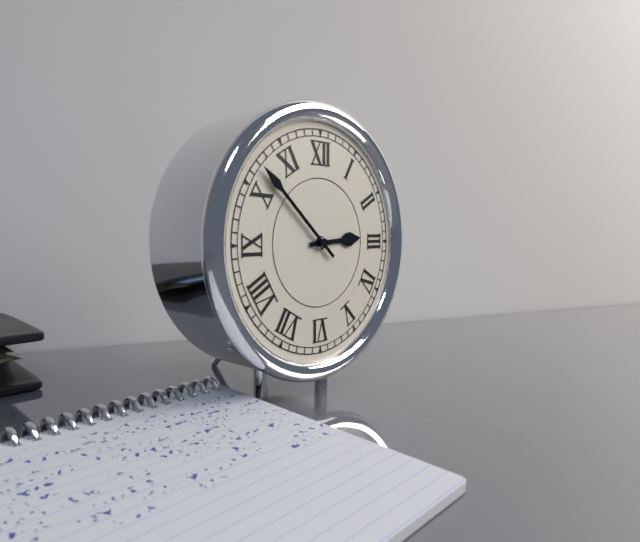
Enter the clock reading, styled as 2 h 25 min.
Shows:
2 h 52 min
